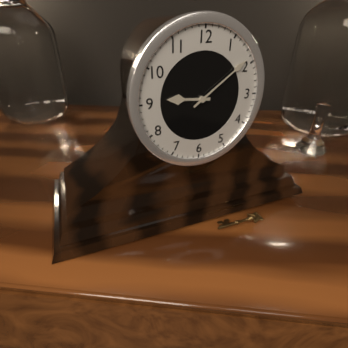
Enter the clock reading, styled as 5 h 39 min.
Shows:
9 h 09 min
